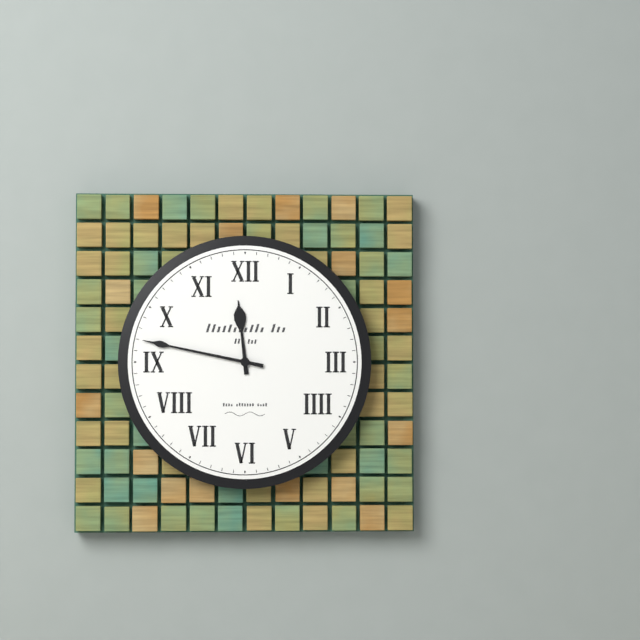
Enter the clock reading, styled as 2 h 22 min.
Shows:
11 h 47 min
